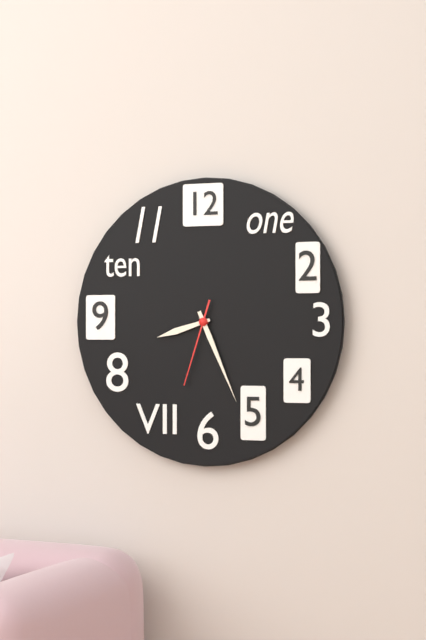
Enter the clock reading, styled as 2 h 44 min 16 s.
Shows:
8 h 26 min 33 s
